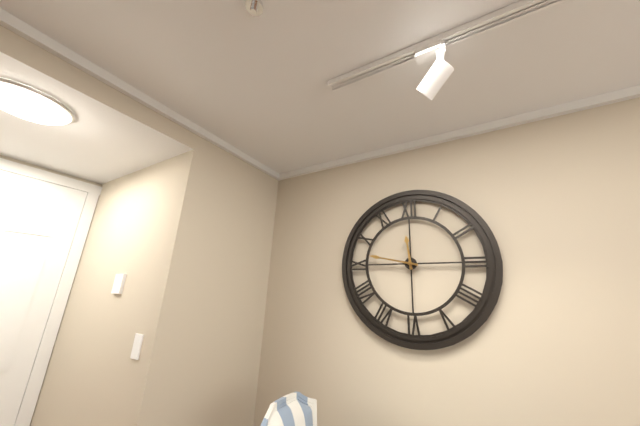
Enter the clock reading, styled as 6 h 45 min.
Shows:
11 h 47 min
